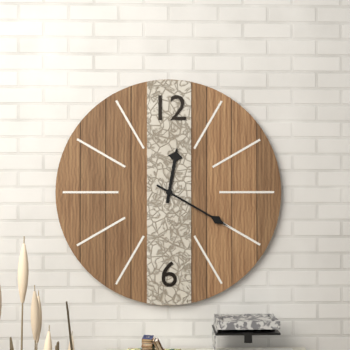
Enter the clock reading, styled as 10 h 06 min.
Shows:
12 h 20 min
